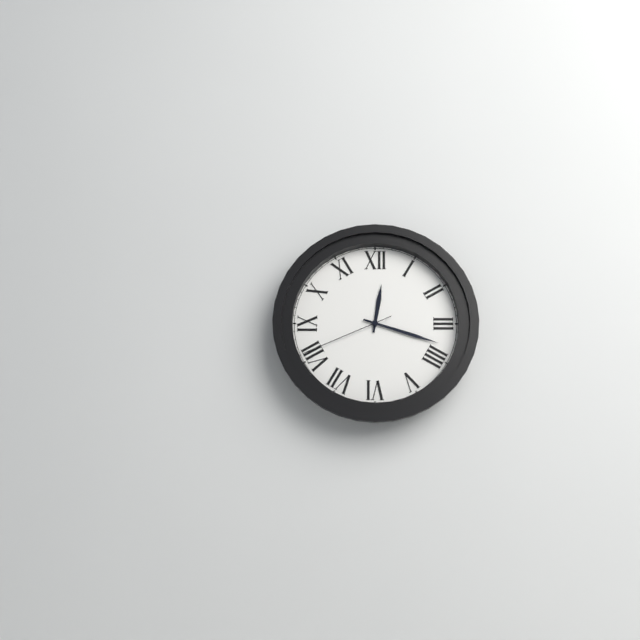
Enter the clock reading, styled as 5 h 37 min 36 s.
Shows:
12 h 18 min 41 s
